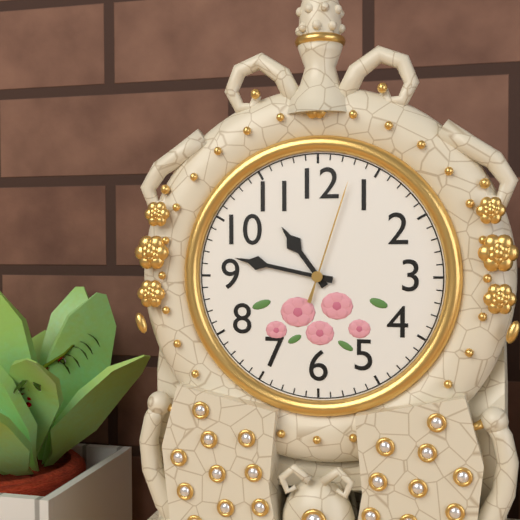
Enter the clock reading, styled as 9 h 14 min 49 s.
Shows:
10 h 47 min 03 s
